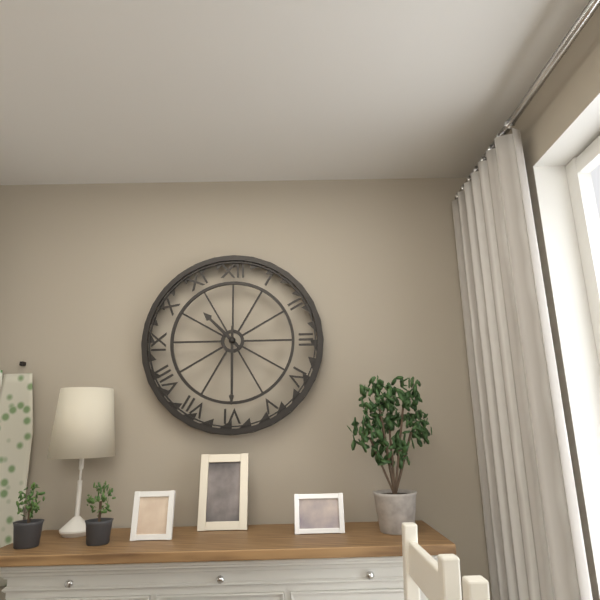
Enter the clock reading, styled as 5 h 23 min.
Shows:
10 h 30 min
